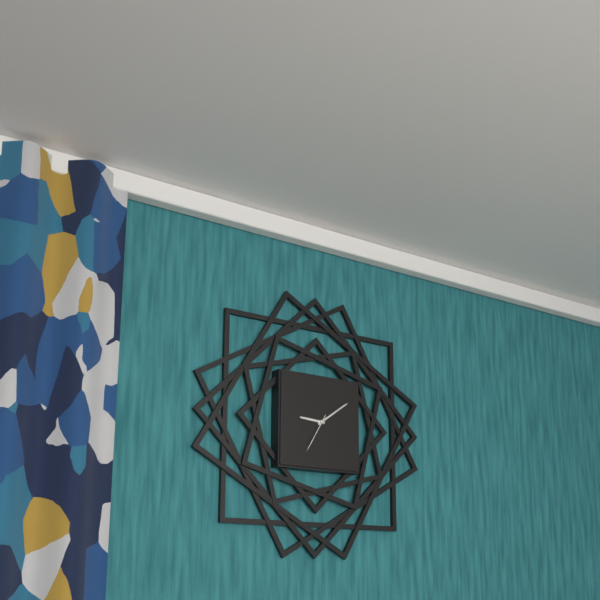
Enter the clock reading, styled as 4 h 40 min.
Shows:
9 h 09 min
